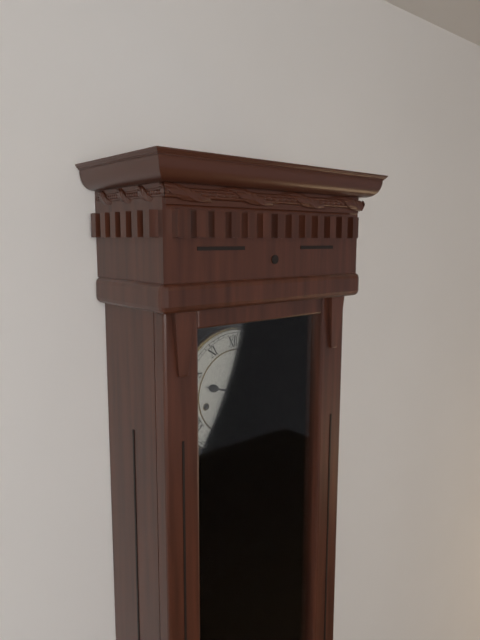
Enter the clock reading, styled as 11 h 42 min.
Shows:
9 h 35 min
